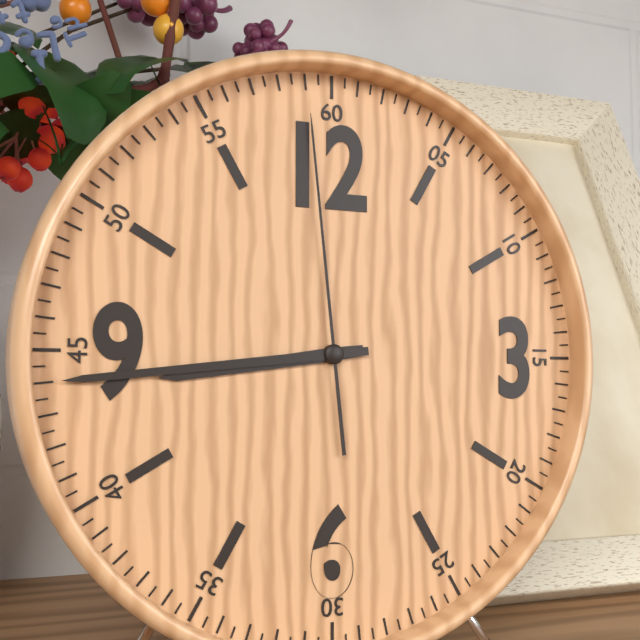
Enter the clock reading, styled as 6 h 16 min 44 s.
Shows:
8 h 44 min 59 s
